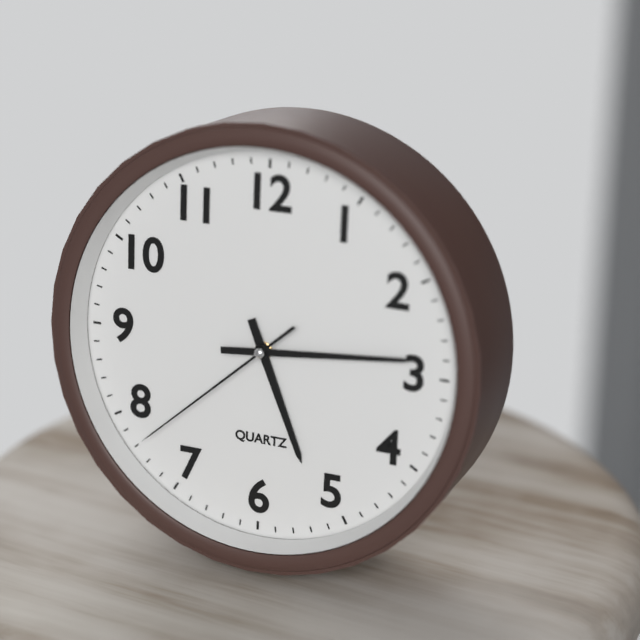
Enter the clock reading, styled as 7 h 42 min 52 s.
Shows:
5 h 14 min 38 s
